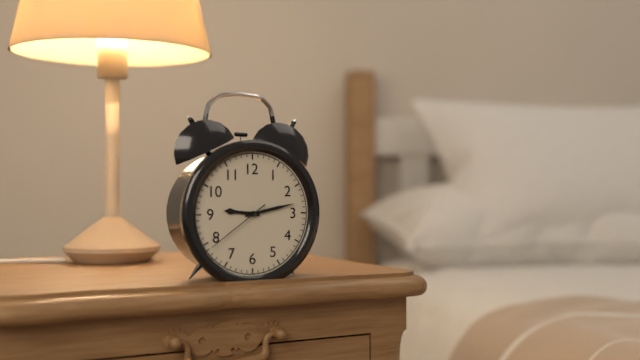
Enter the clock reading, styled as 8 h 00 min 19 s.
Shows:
9 h 13 min 39 s
